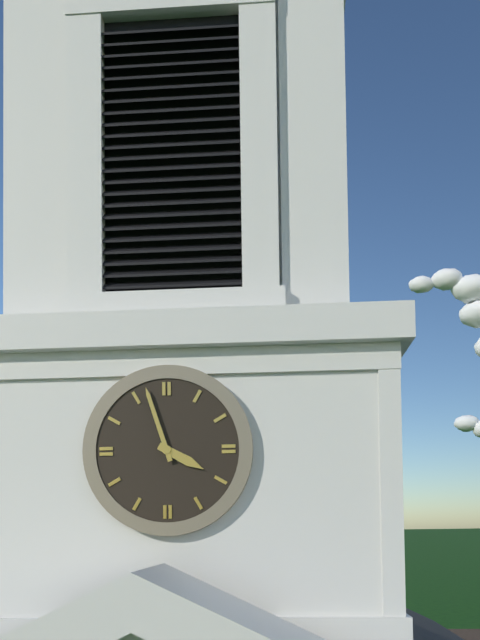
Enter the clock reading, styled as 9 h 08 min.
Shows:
3 h 57 min
